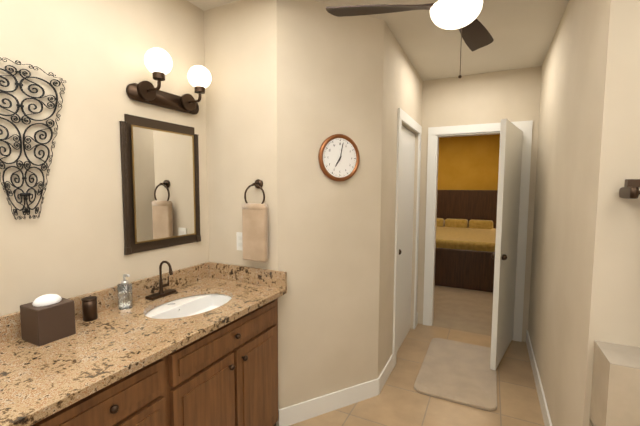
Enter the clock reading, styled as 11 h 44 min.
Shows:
7 h 02 min
